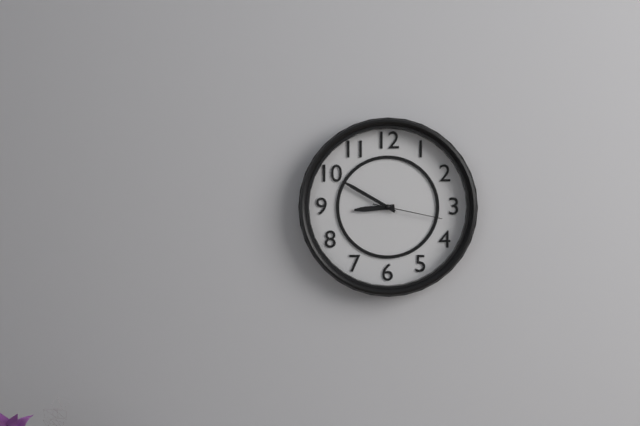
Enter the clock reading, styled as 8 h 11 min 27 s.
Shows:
8 h 50 min 17 s
